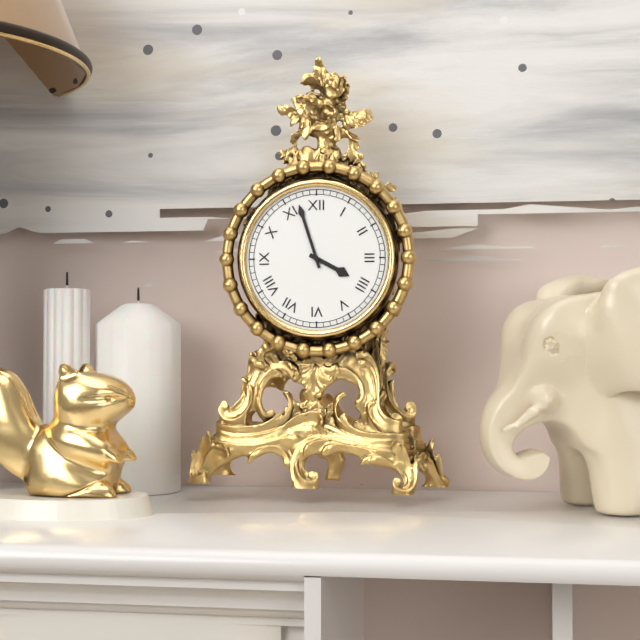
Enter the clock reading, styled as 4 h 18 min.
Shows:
3 h 57 min
